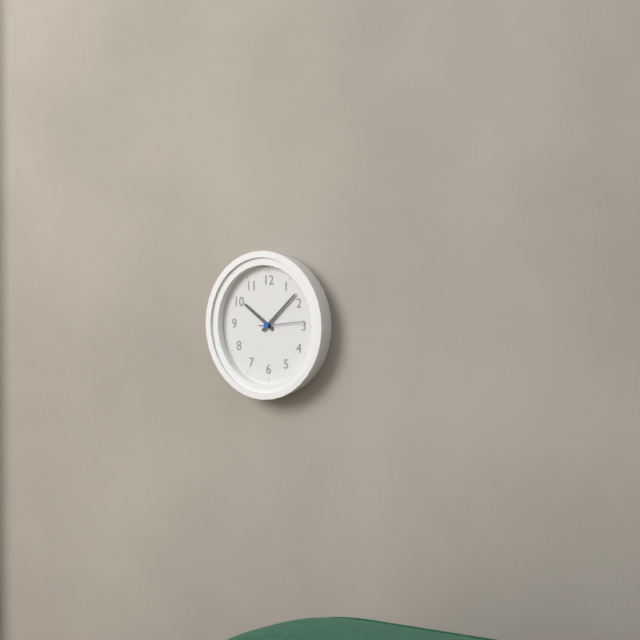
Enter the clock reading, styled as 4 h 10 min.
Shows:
10 h 08 min
